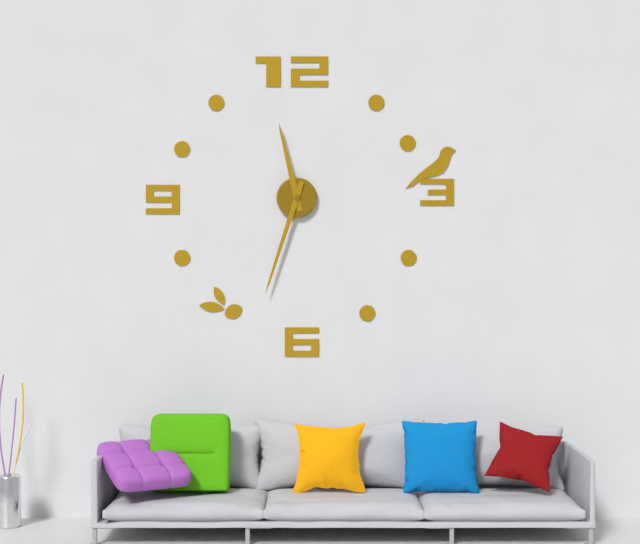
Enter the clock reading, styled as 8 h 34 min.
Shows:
11 h 33 min
